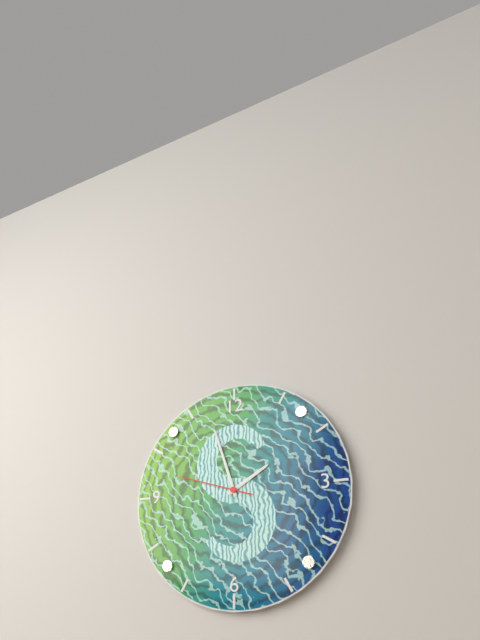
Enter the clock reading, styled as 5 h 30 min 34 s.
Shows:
1 h 57 min 48 s
